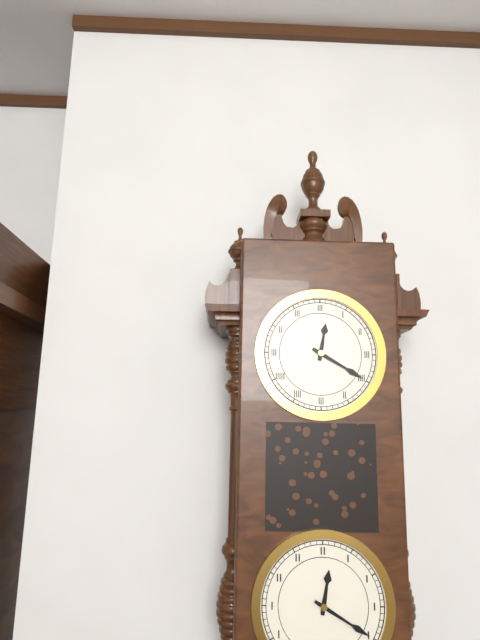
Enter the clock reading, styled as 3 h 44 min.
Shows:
12 h 20 min
